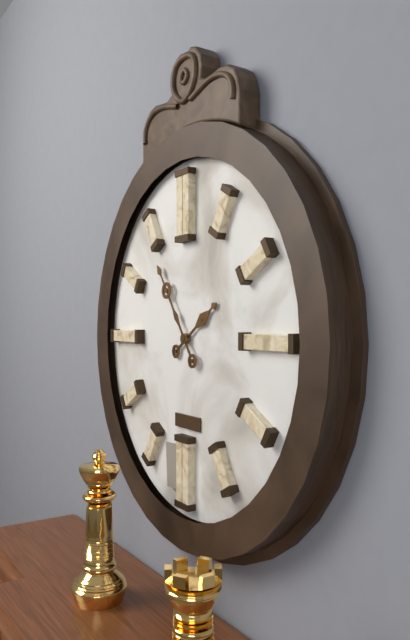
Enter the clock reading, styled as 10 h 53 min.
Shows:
1 h 54 min
